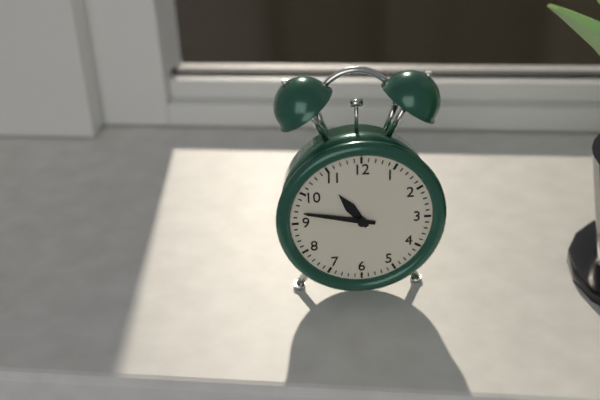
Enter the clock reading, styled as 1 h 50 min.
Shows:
10 h 47 min
